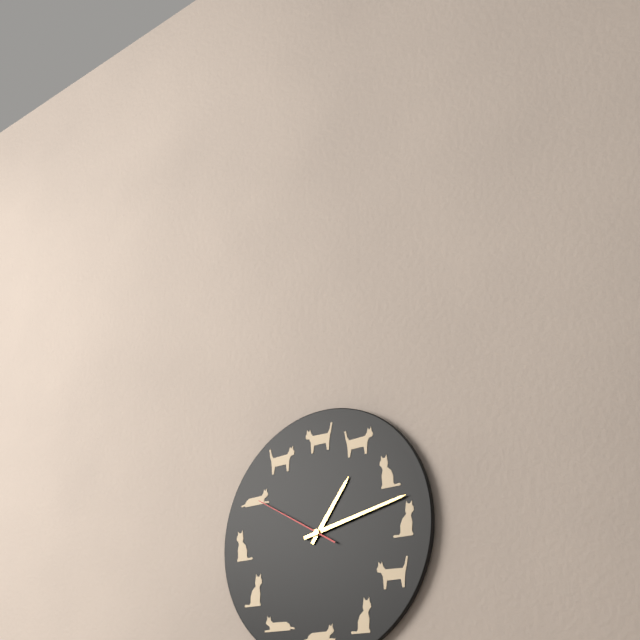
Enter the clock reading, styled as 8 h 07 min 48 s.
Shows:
1 h 13 min 50 s
